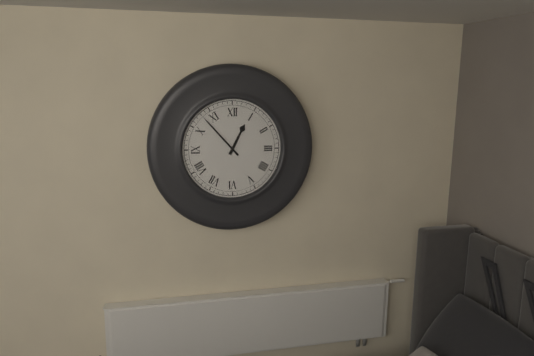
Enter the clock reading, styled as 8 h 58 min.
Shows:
12 h 53 min
